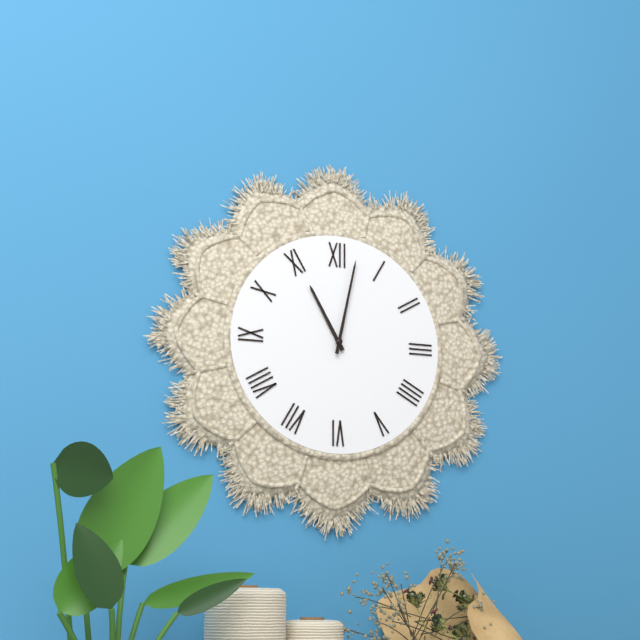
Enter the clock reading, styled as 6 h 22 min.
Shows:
11 h 02 min
